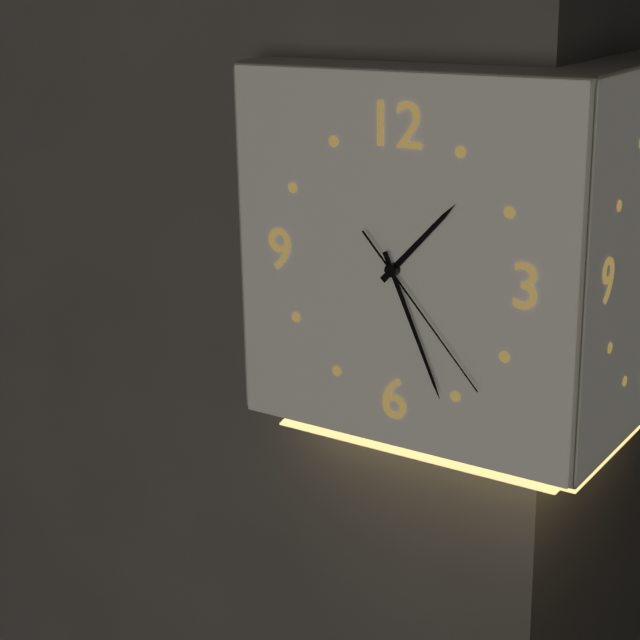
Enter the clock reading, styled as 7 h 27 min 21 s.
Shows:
1 h 26 min 23 s
